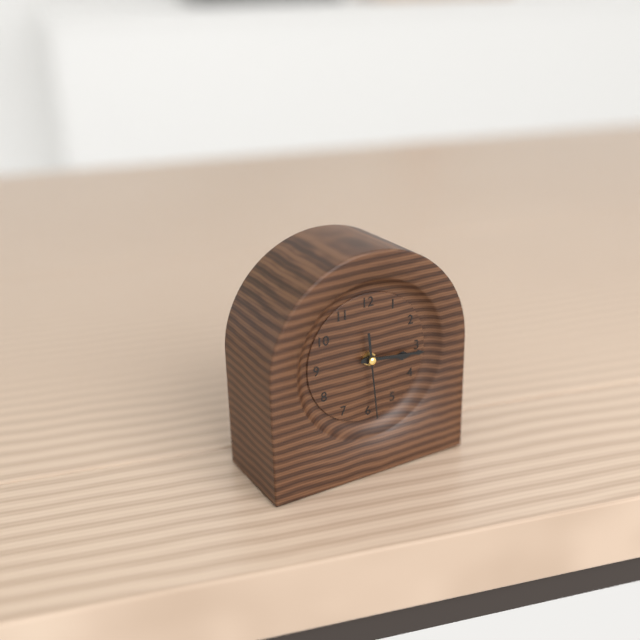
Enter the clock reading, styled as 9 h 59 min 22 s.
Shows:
3 h 16 min 29 s
